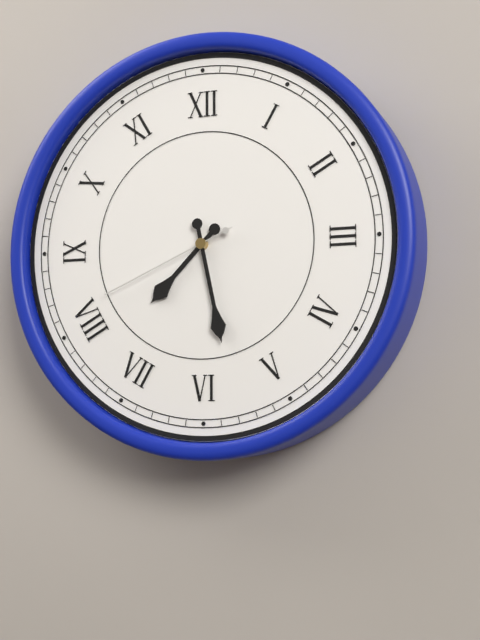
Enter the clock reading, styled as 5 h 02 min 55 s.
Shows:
7 h 28 min 41 s
